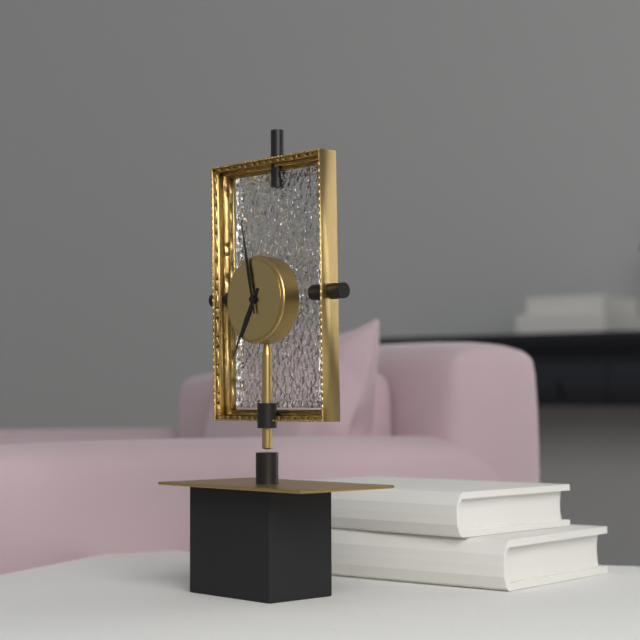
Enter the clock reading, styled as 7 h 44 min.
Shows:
6 h 58 min
